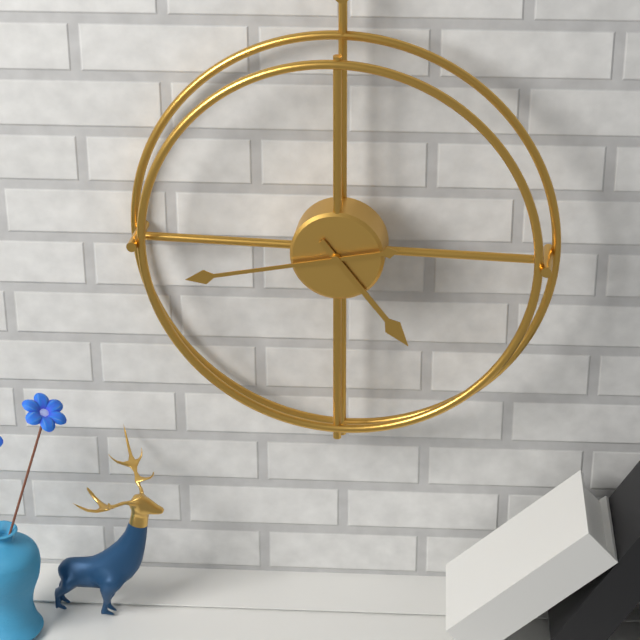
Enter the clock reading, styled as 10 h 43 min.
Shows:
4 h 43 min
